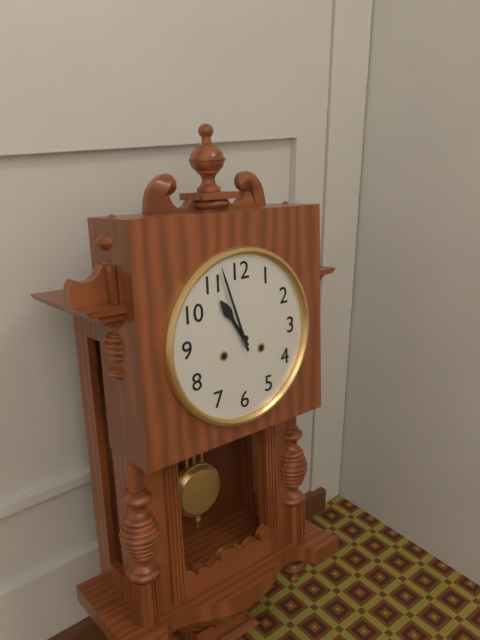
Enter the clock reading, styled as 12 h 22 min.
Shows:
10 h 57 min
